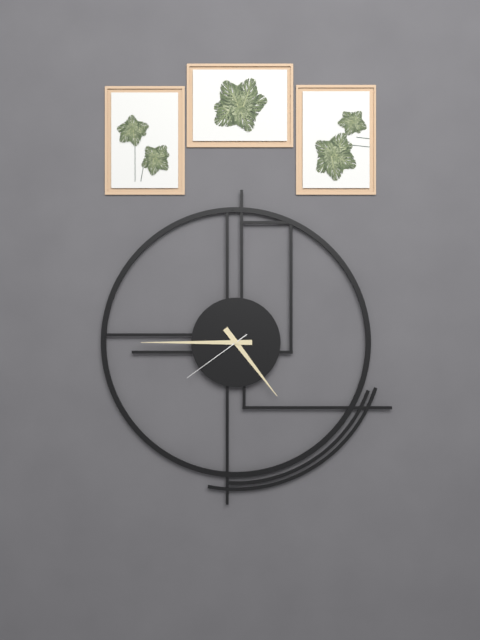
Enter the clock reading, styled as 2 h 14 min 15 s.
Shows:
4 h 45 min 39 s
